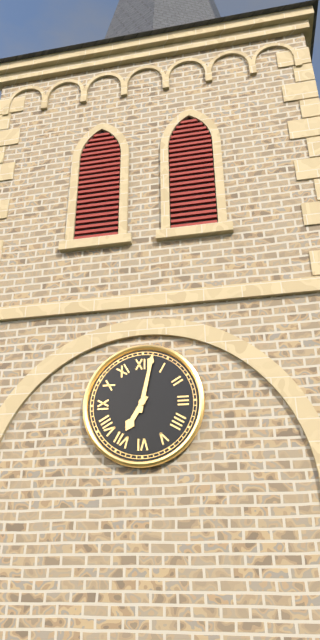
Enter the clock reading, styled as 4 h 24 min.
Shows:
7 h 02 min
